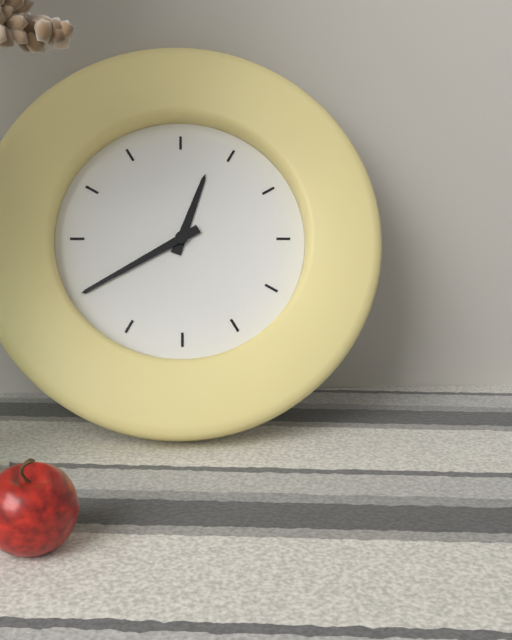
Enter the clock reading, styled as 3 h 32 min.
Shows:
12 h 40 min
